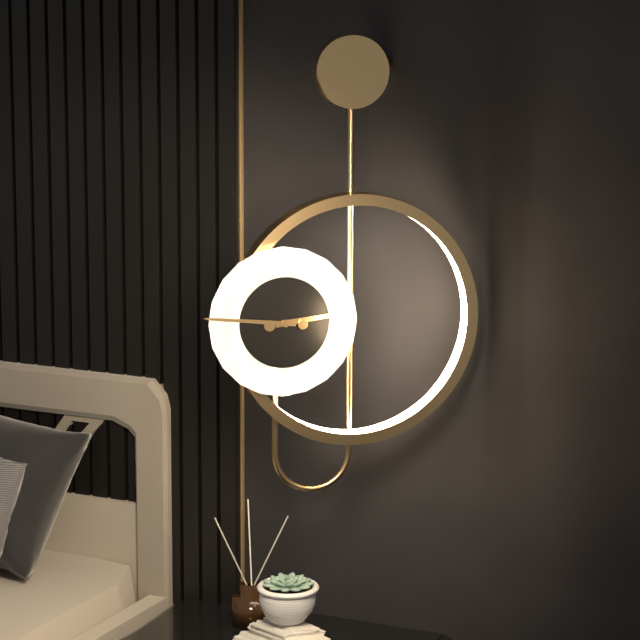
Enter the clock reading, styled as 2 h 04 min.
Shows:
2 h 46 min
